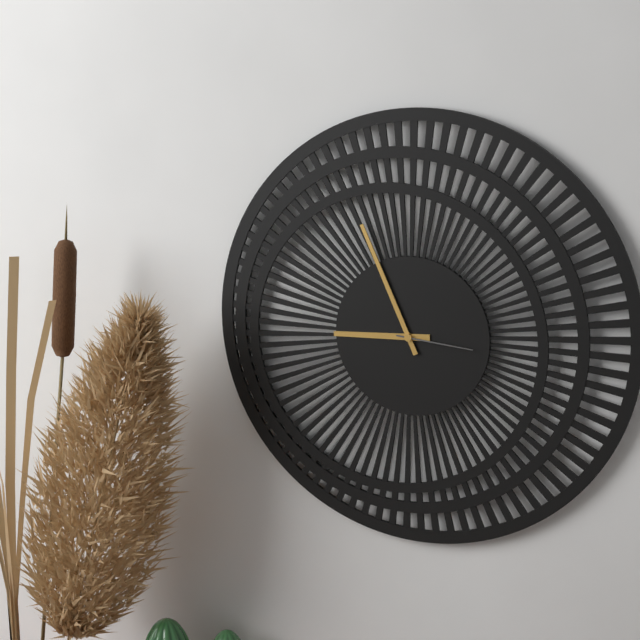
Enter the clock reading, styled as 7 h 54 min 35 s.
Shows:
8 h 56 min 16 s
